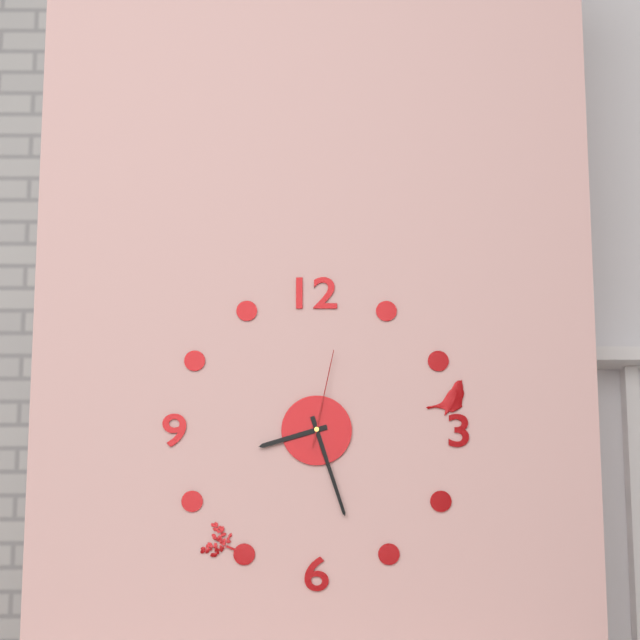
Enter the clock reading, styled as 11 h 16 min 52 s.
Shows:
8 h 27 min 02 s
